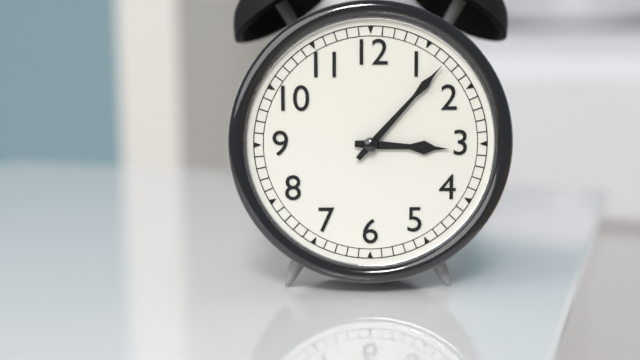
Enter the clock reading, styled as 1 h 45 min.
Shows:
3 h 07 min
